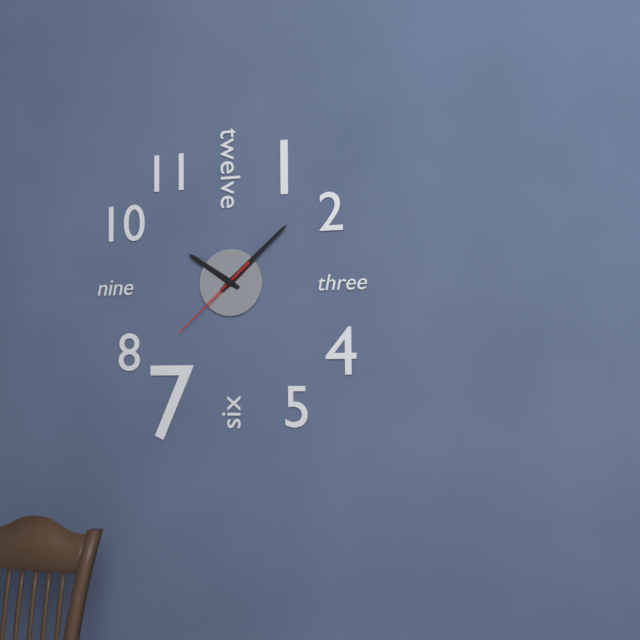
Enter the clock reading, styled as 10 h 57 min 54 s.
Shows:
10 h 08 min 38 s
